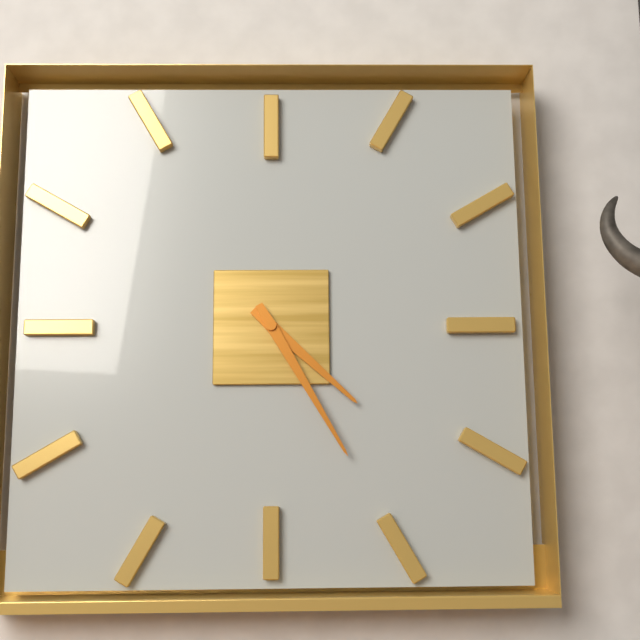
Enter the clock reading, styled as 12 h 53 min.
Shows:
4 h 25 min
